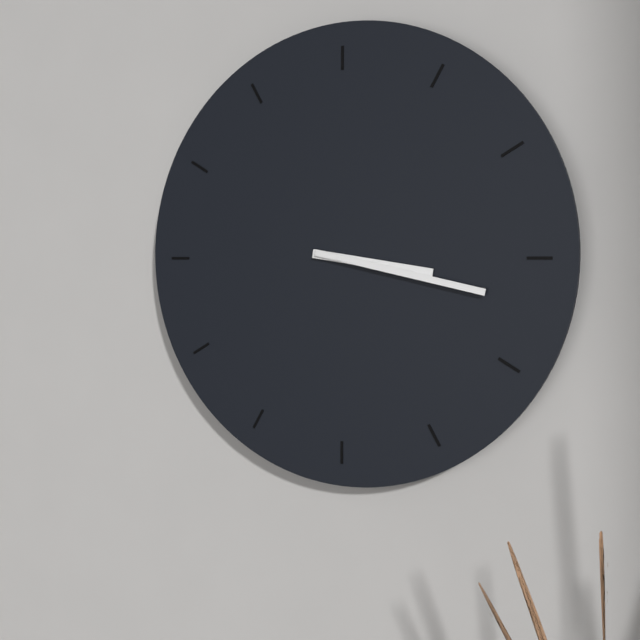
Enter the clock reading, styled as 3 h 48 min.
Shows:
3 h 17 min
